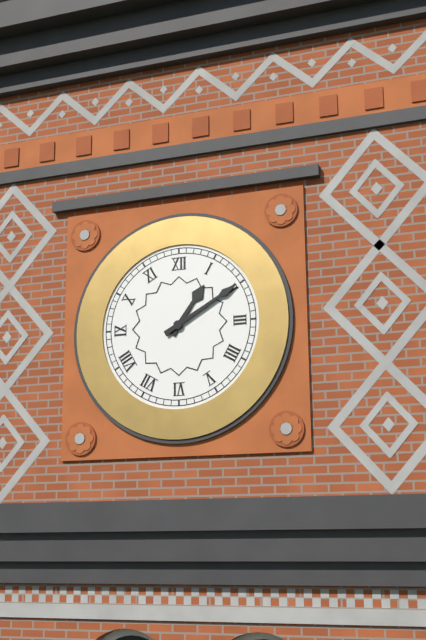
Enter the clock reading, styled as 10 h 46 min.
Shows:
1 h 10 min
